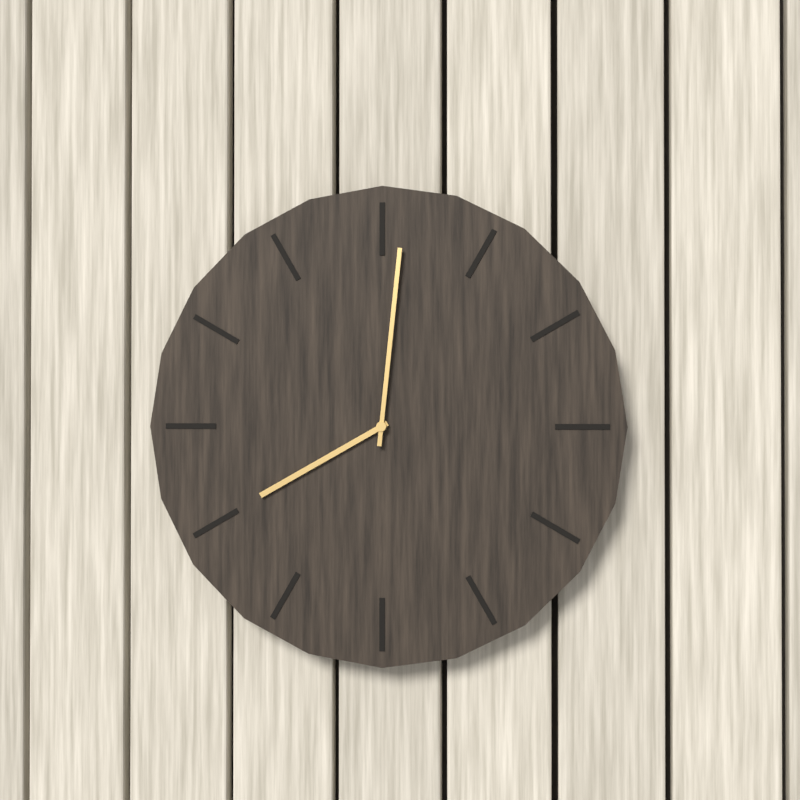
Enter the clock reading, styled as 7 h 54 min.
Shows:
8 h 01 min
